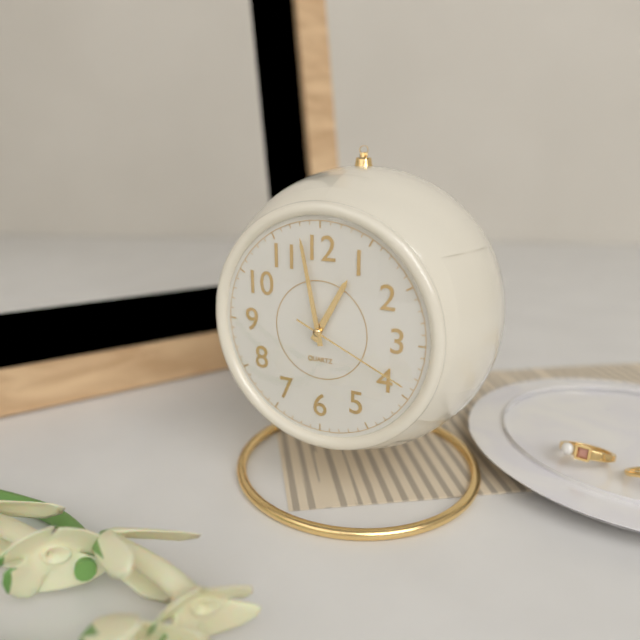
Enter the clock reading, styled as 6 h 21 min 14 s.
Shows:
12 h 58 min 19 s
